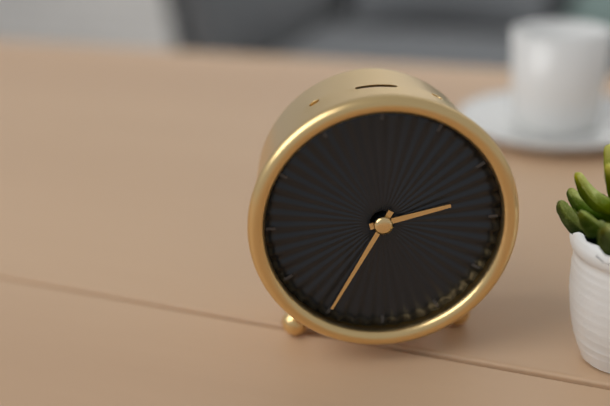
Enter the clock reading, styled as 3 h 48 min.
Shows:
2 h 35 min
